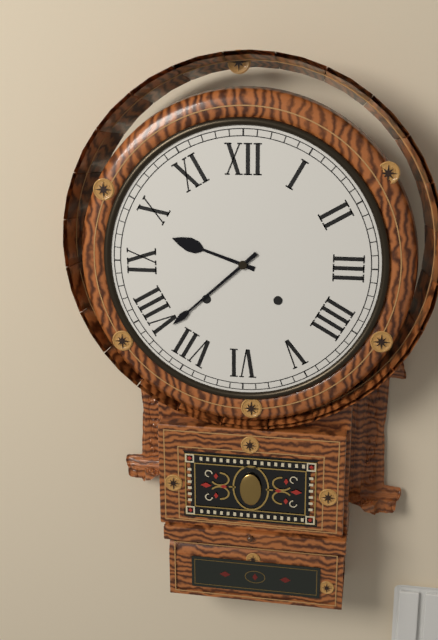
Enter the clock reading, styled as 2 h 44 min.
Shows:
9 h 38 min
